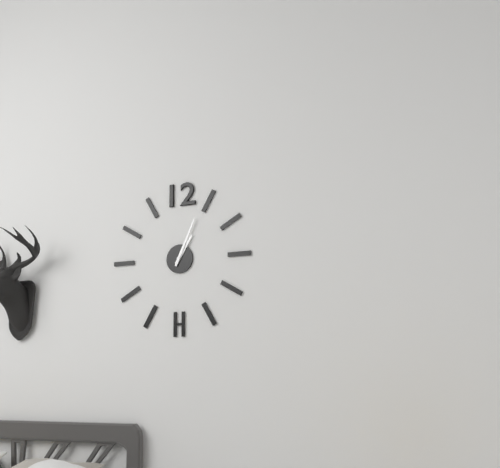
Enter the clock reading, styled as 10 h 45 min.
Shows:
1 h 04 min
